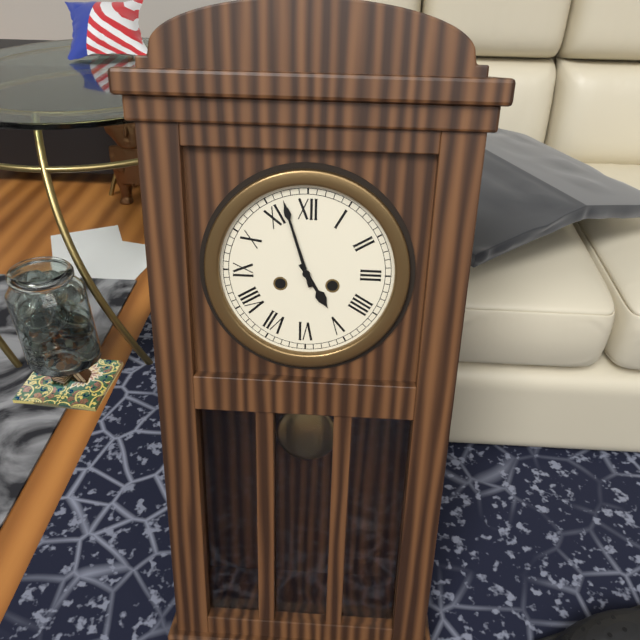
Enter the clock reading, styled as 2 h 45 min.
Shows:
4 h 57 min
